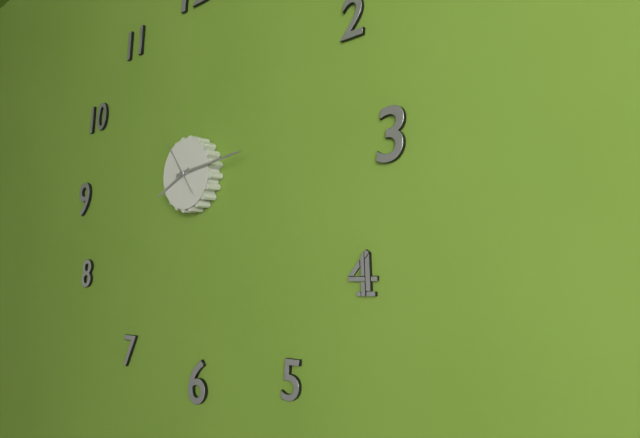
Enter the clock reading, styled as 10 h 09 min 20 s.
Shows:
8 h 14 min 54 s
